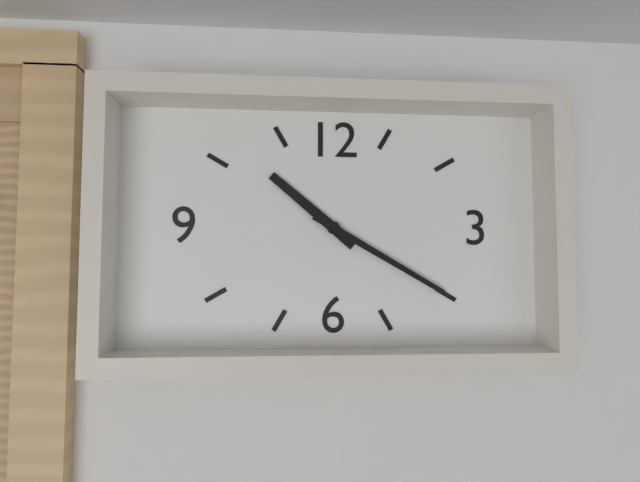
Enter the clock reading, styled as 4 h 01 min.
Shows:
10 h 20 min
